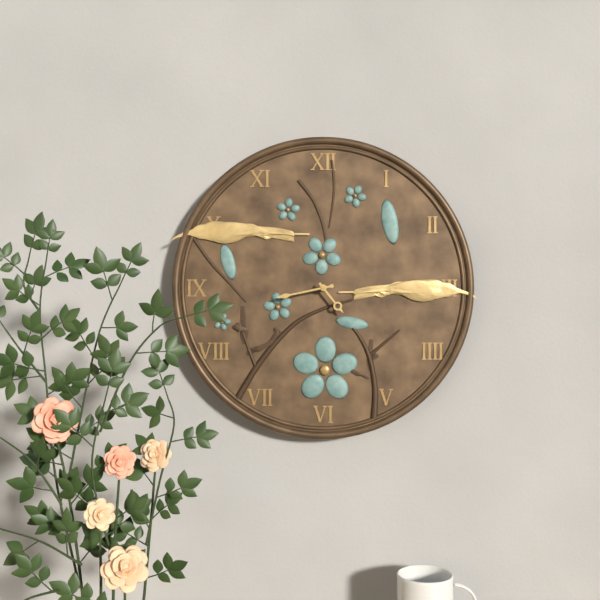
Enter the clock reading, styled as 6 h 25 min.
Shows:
4 h 43 min
